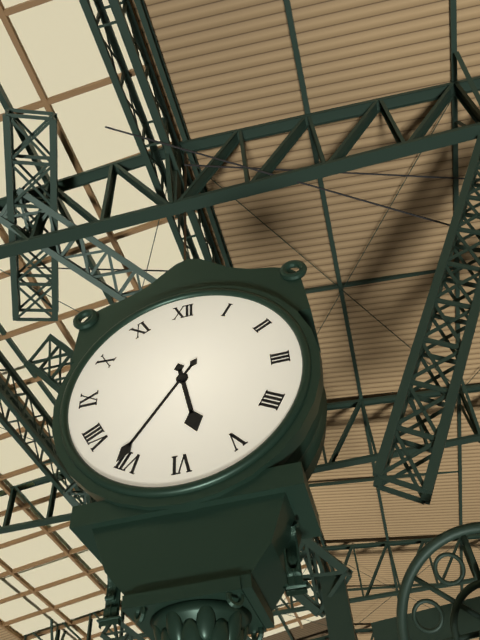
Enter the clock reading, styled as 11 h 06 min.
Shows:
5 h 36 min
